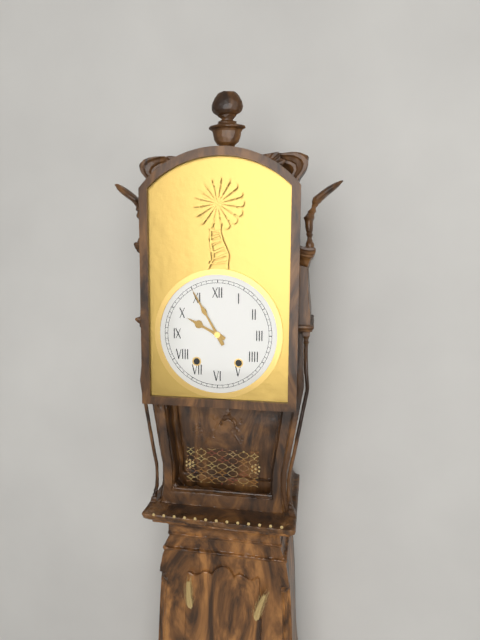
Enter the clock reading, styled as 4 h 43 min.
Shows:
9 h 55 min
